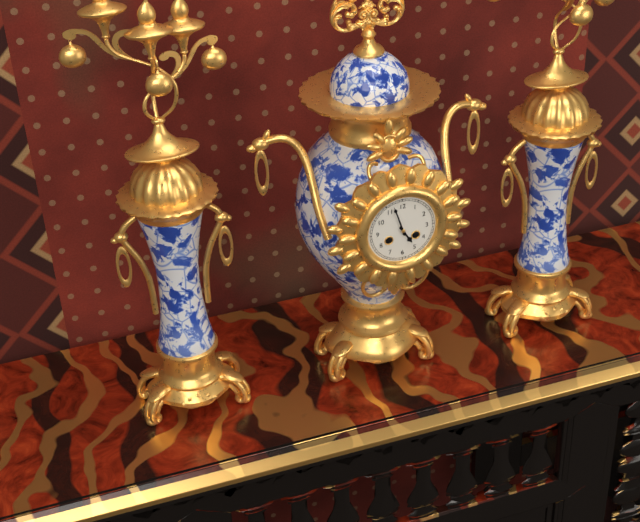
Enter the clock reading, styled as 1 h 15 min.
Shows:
4 h 57 min
